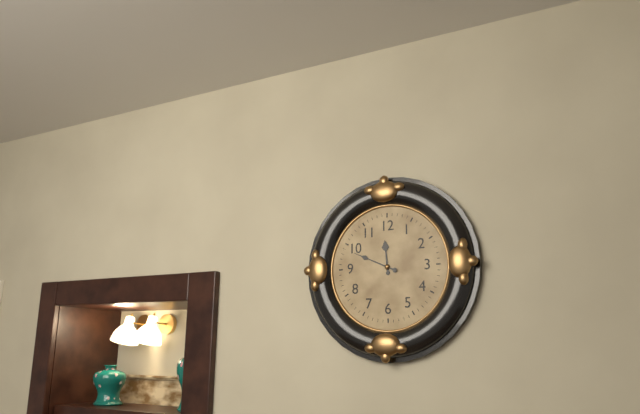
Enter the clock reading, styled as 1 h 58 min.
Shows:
11 h 49 min
